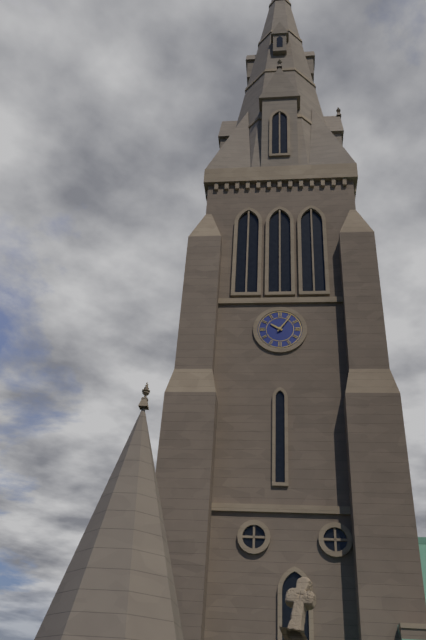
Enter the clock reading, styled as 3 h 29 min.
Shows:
10 h 06 min
